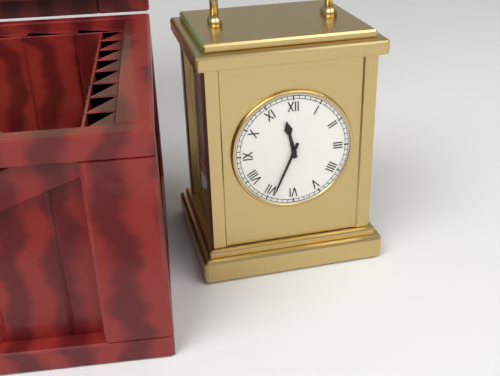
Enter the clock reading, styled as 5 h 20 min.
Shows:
11 h 34 min
